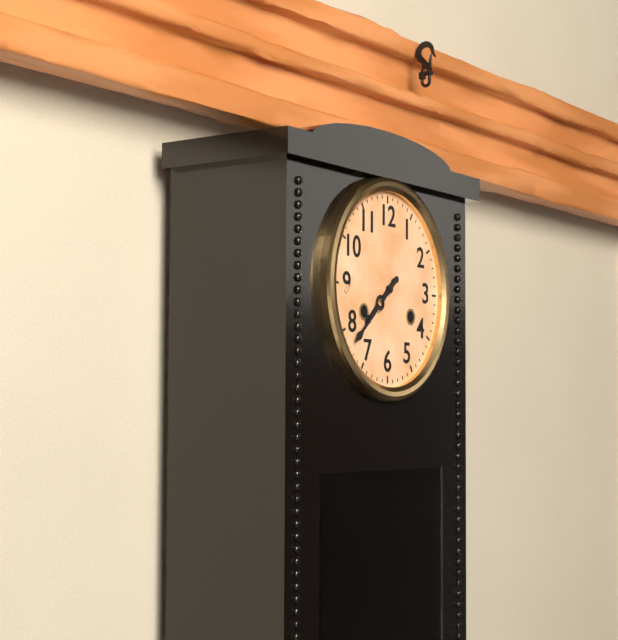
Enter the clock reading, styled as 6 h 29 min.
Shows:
7 h 38 min
